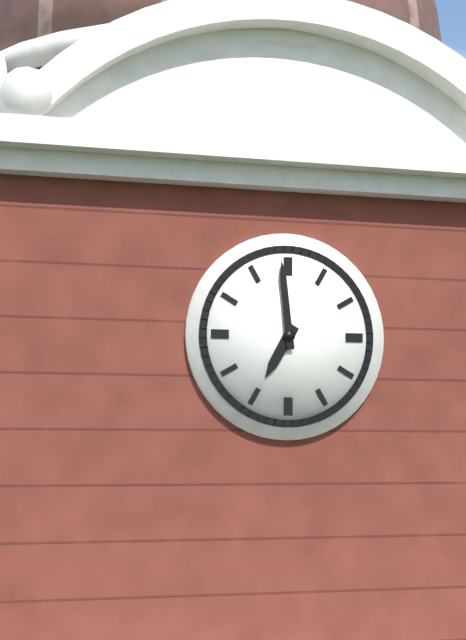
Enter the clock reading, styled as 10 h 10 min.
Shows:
6 h 59 min
